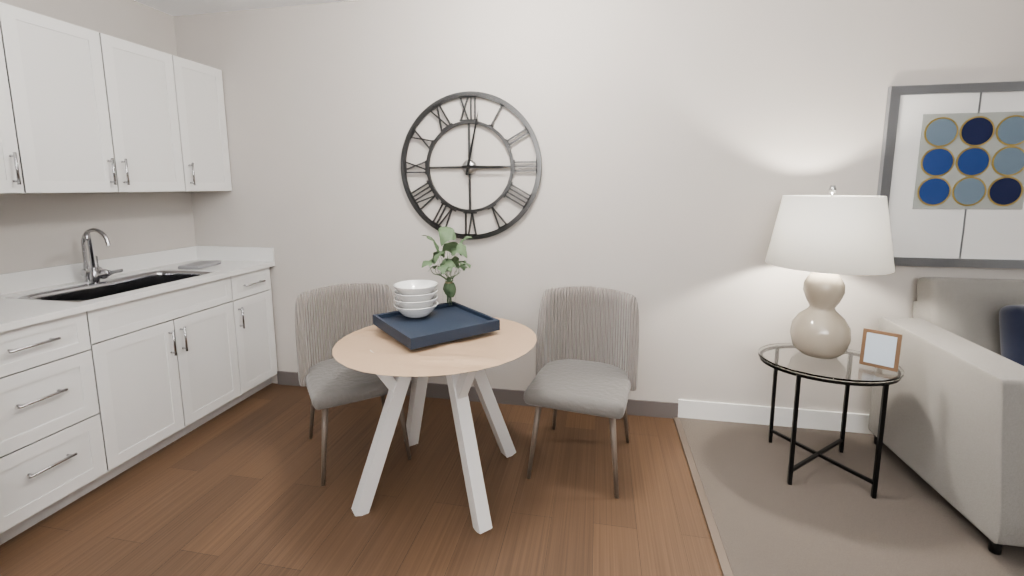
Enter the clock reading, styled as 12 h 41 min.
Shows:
3 h 02 min
